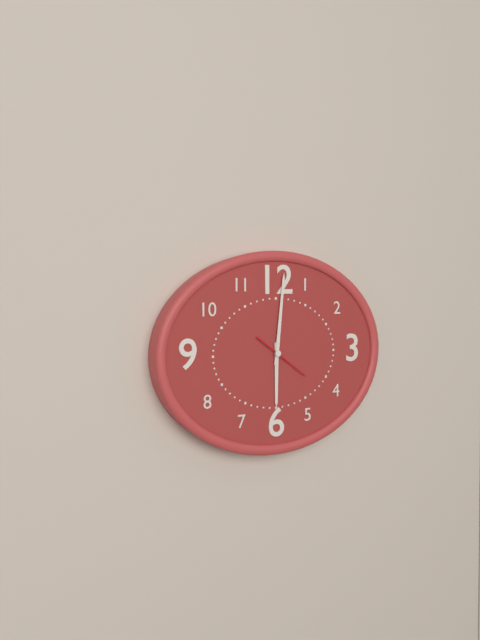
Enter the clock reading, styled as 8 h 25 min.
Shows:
6 h 01 min
